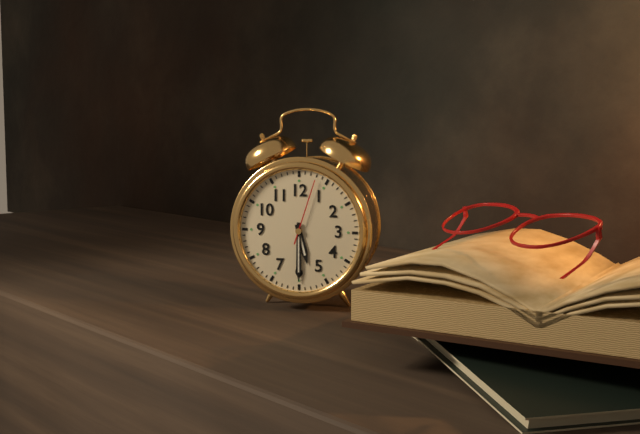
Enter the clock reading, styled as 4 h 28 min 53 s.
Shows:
5 h 30 min 03 s
